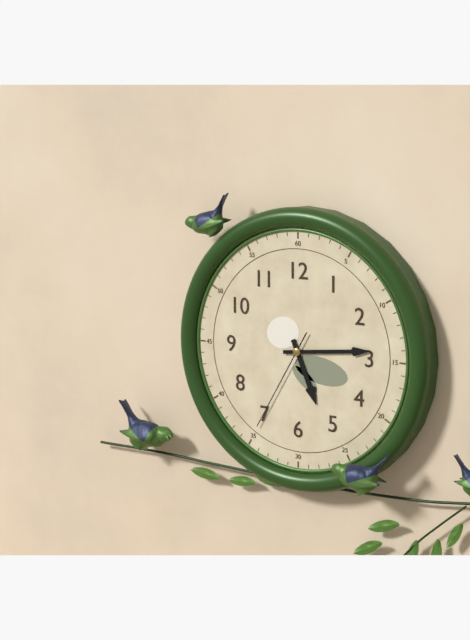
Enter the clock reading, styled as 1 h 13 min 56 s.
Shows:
5 h 14 min 35 s
